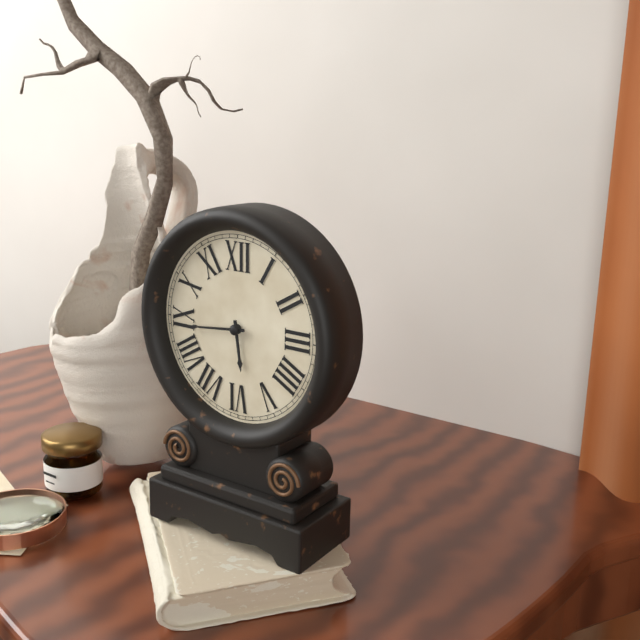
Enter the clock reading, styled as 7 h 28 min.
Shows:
5 h 44 min
